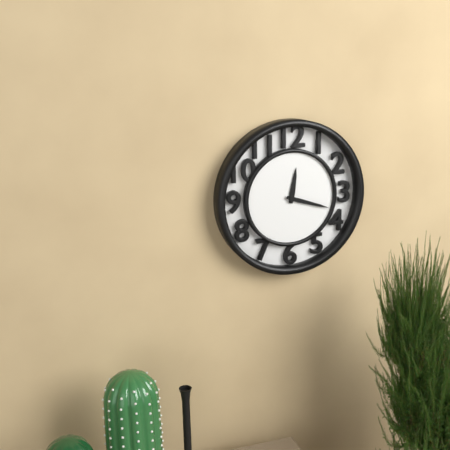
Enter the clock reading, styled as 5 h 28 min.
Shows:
12 h 18 min
